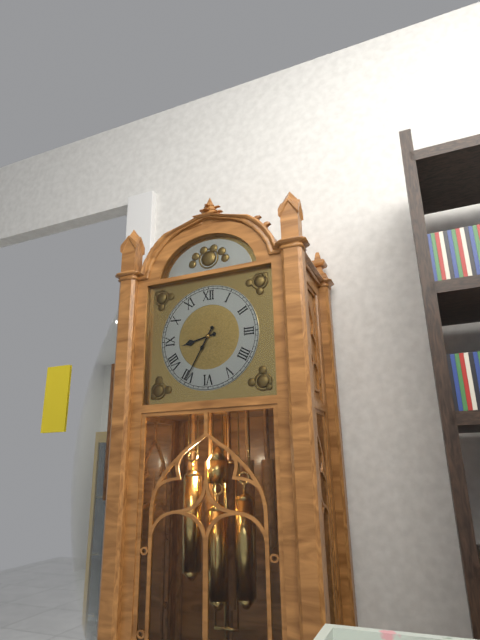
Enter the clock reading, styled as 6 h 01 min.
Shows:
8 h 35 min
